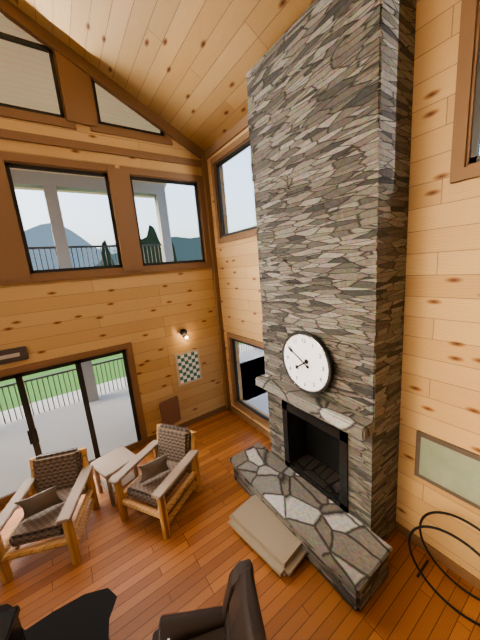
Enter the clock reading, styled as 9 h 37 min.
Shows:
7 h 50 min
